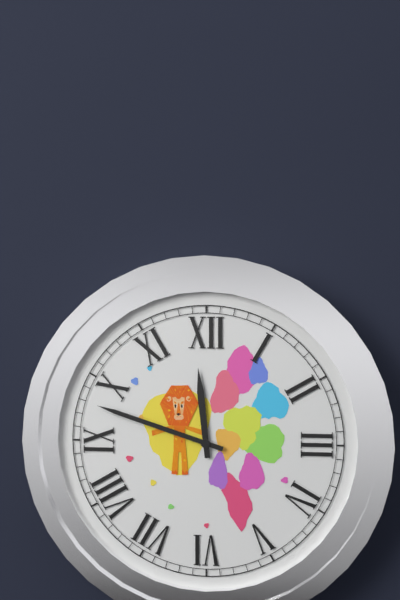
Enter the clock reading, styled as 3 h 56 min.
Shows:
11 h 48 min
